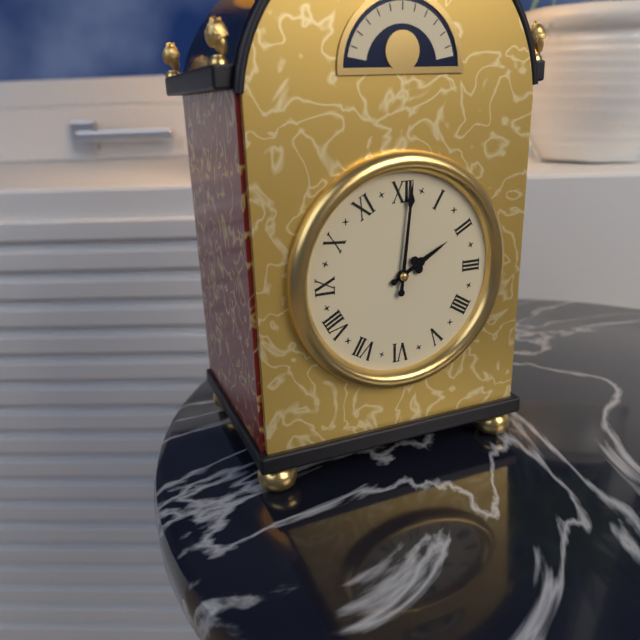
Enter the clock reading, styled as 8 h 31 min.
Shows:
2 h 01 min
